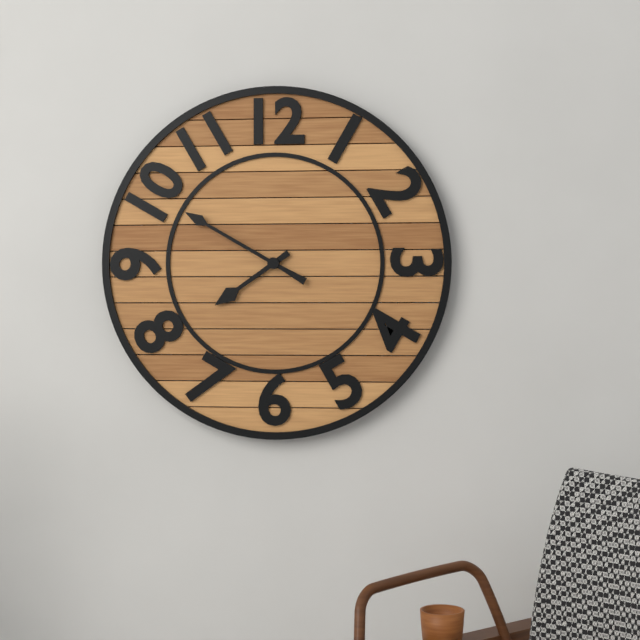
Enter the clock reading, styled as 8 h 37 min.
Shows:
7 h 50 min
